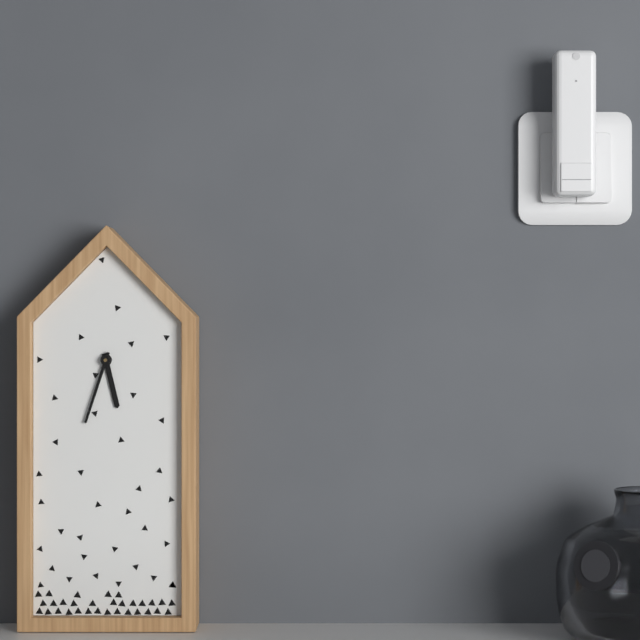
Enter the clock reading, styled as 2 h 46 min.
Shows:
5 h 33 min
